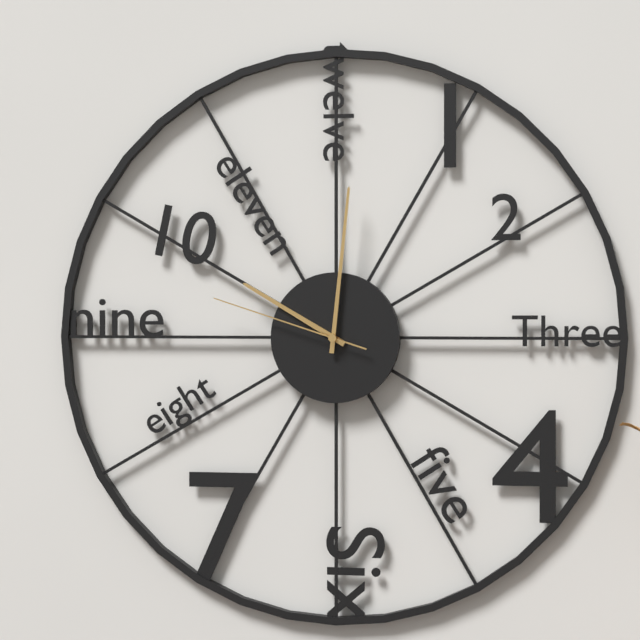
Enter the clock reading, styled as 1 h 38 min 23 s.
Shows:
10 h 01 min 48 s
